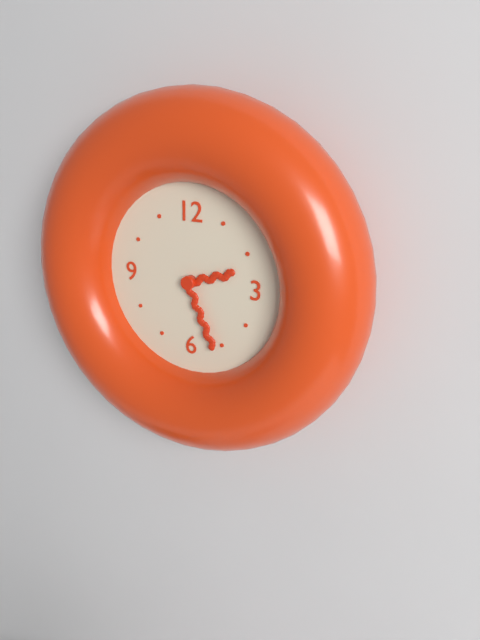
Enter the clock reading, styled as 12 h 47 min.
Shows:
2 h 26 min
